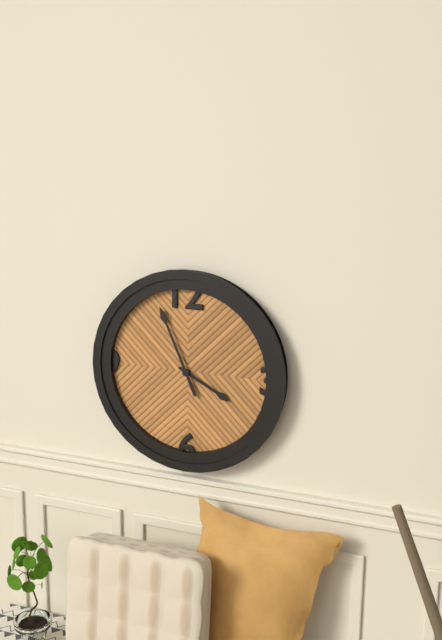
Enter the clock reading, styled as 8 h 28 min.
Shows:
3 h 56 min
